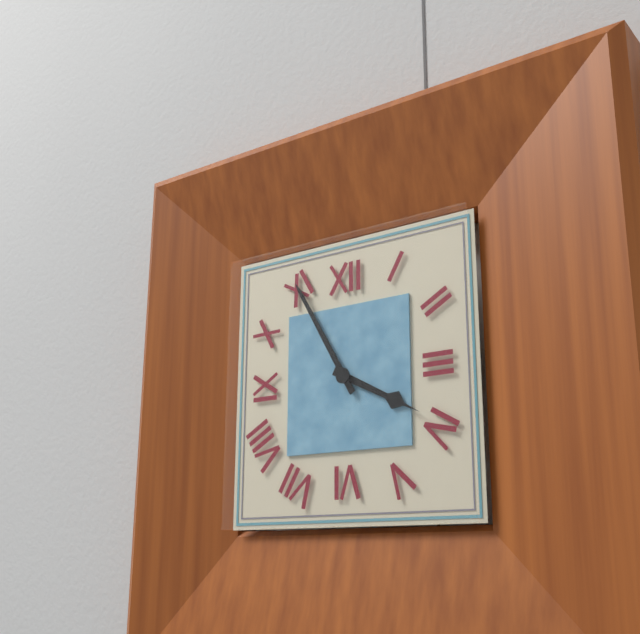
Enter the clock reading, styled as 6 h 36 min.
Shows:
3 h 55 min
